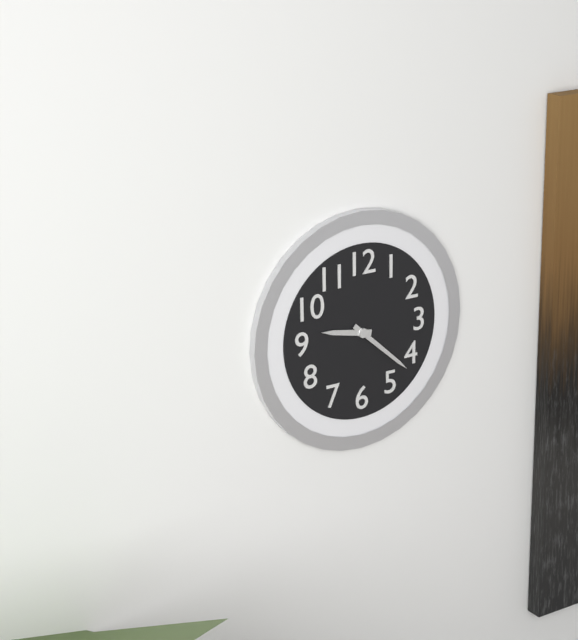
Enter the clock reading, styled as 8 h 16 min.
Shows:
9 h 22 min
